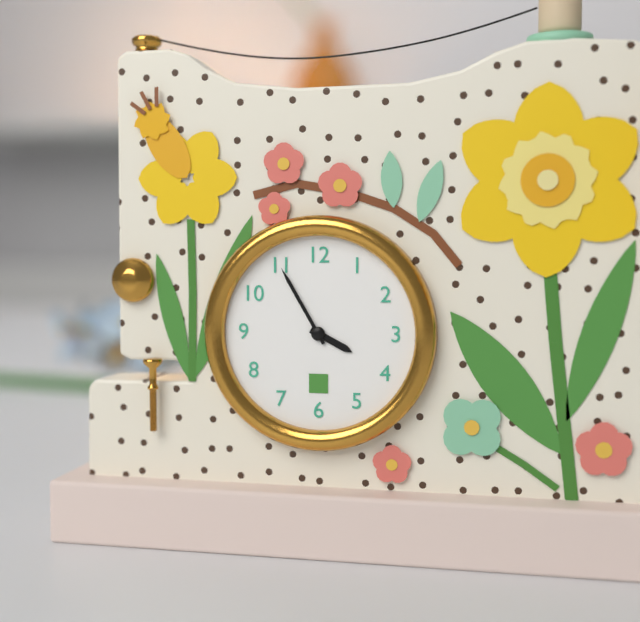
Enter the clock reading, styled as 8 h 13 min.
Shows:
3 h 55 min
